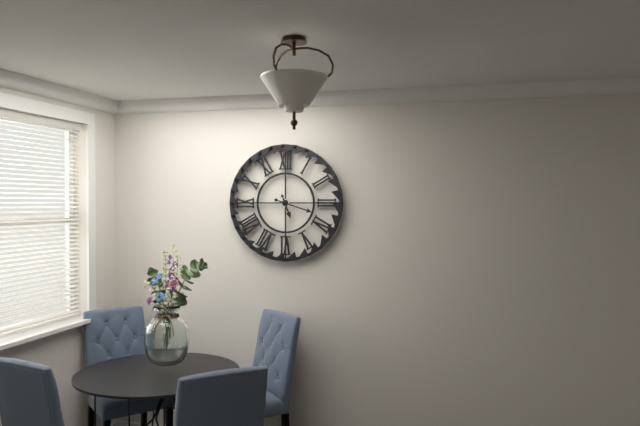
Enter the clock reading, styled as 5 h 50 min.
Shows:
5 h 18 min
